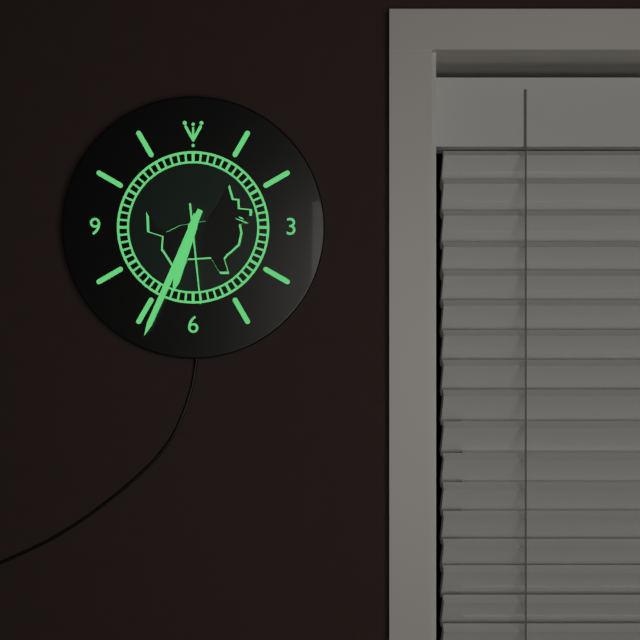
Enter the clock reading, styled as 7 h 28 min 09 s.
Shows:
6 h 34 min 29 s
